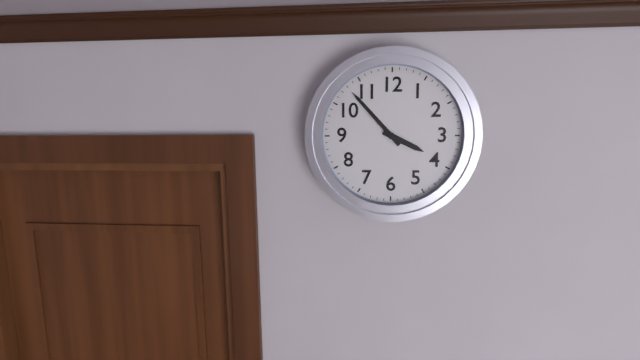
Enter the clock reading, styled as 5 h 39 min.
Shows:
3 h 53 min
